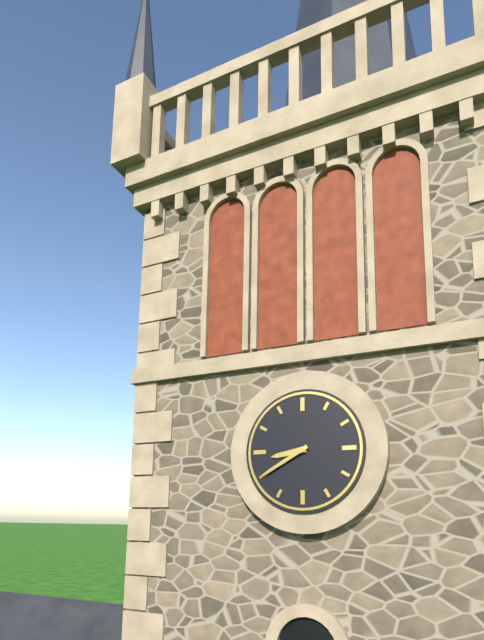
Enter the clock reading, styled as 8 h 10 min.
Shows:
8 h 40 min
